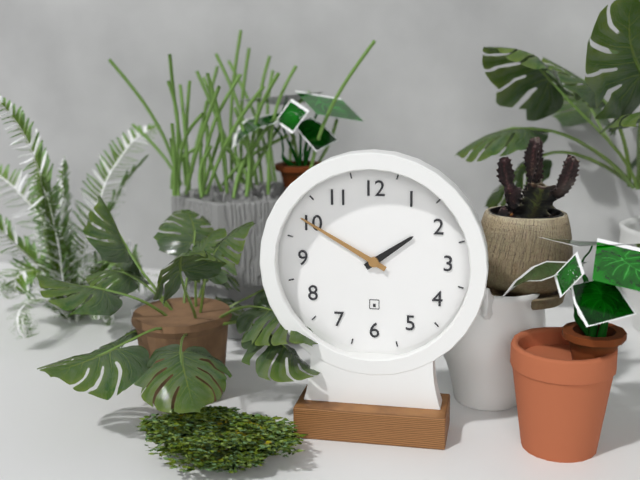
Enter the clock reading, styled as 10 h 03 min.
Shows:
1 h 50 min
